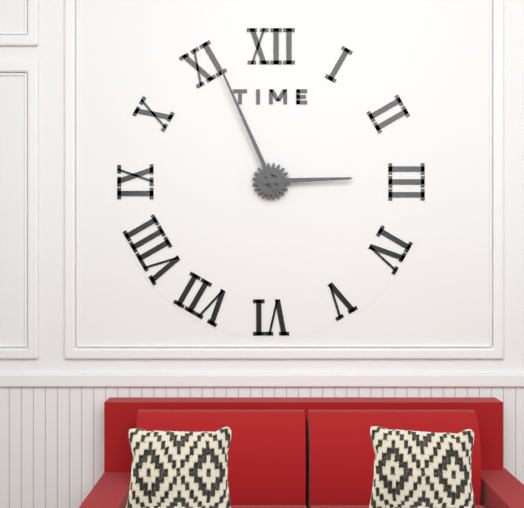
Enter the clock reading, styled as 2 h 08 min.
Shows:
2 h 56 min
